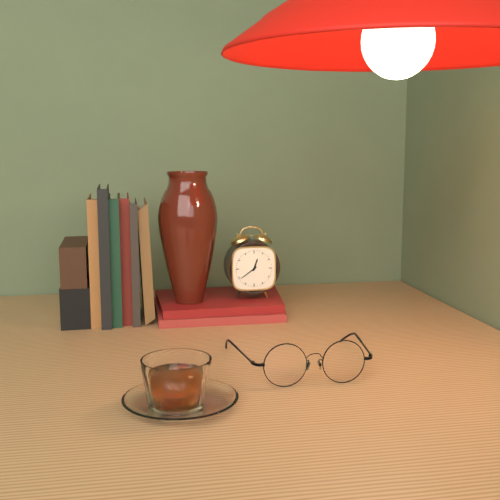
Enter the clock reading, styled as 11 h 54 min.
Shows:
12 h 39 min
